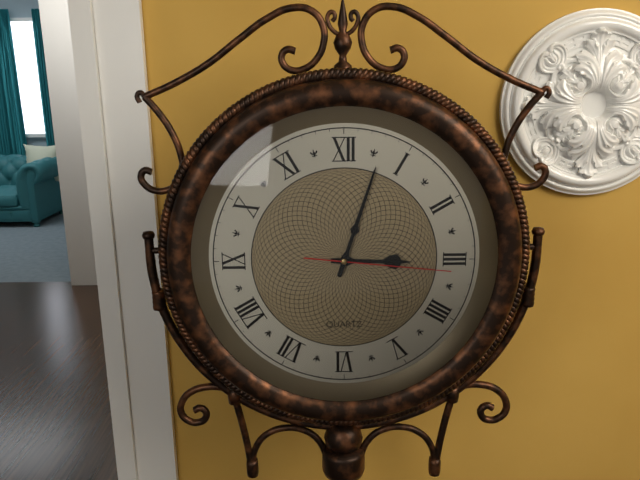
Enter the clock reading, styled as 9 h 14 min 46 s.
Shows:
3 h 03 min 16 s
